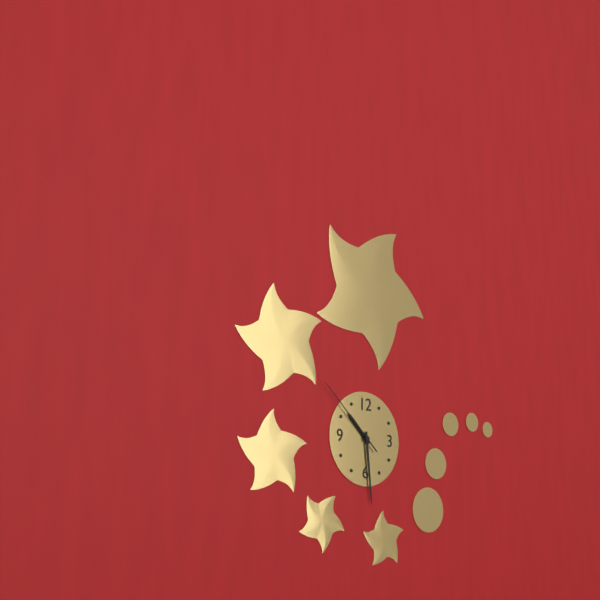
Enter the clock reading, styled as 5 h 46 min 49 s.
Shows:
10 h 29 min 52 s
